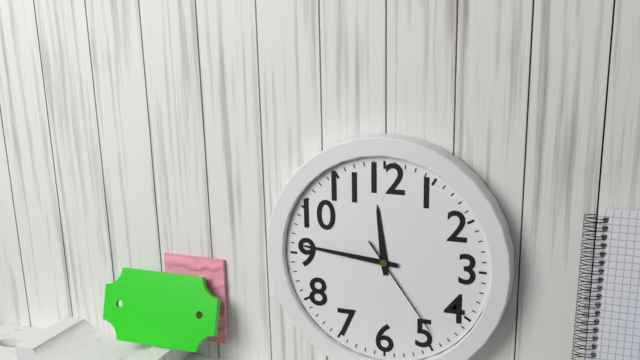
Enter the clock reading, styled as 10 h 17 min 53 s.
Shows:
11 h 46 min 24 s
